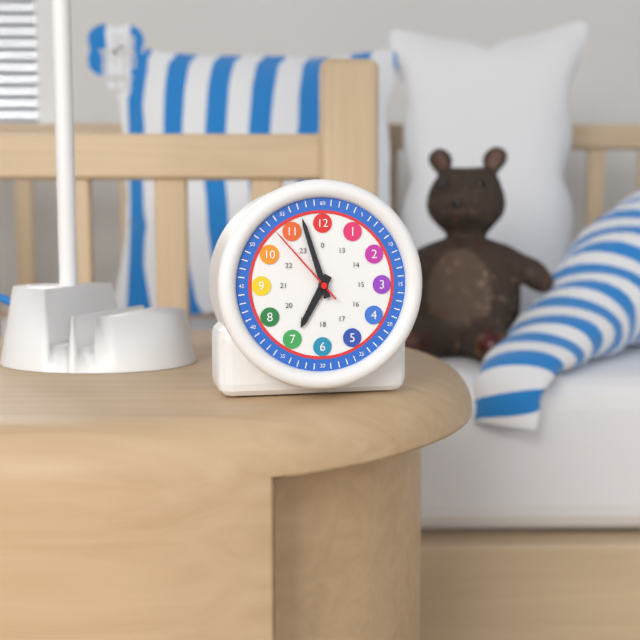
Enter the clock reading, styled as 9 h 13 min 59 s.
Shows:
6 h 57 min 53 s
